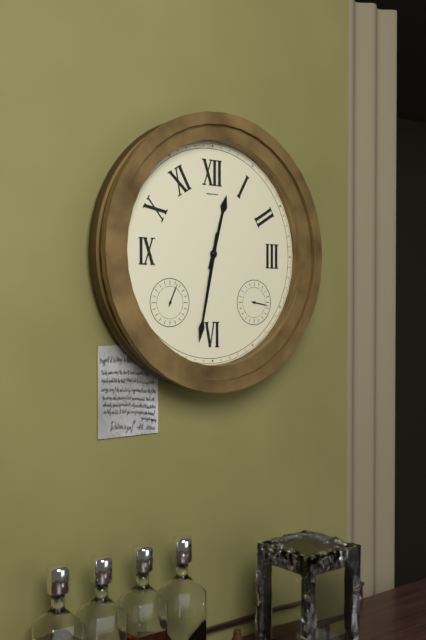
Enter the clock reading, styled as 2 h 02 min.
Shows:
12 h 32 min
